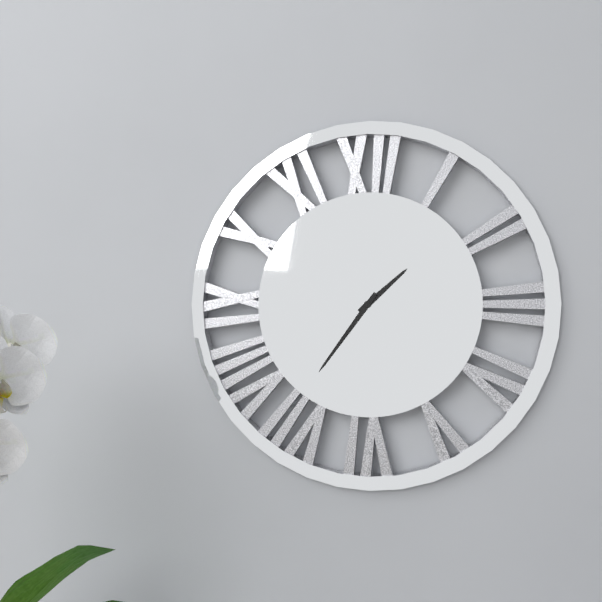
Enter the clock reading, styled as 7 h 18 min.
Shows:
1 h 36 min
